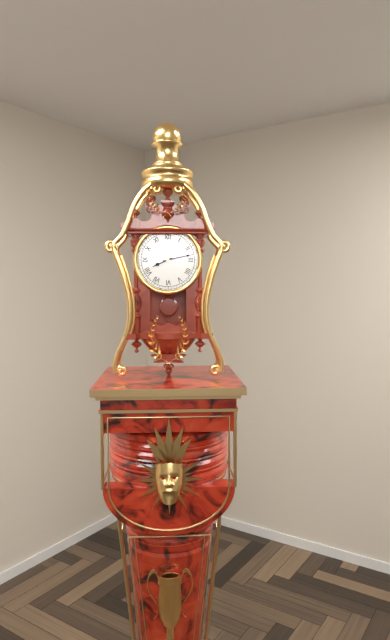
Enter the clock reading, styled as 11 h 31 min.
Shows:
8 h 13 min
